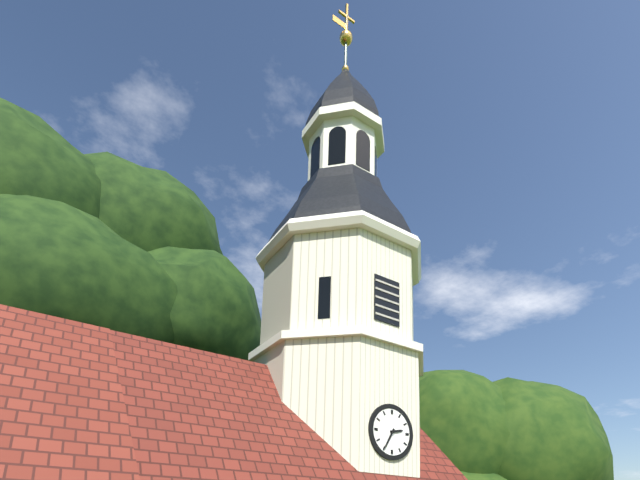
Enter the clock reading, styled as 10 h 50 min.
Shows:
2 h 35 min
